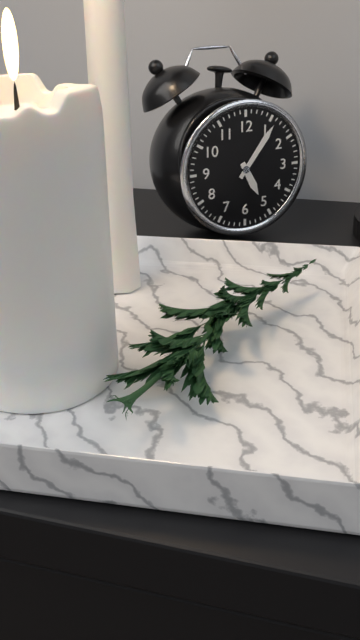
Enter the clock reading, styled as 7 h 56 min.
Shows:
5 h 06 min
